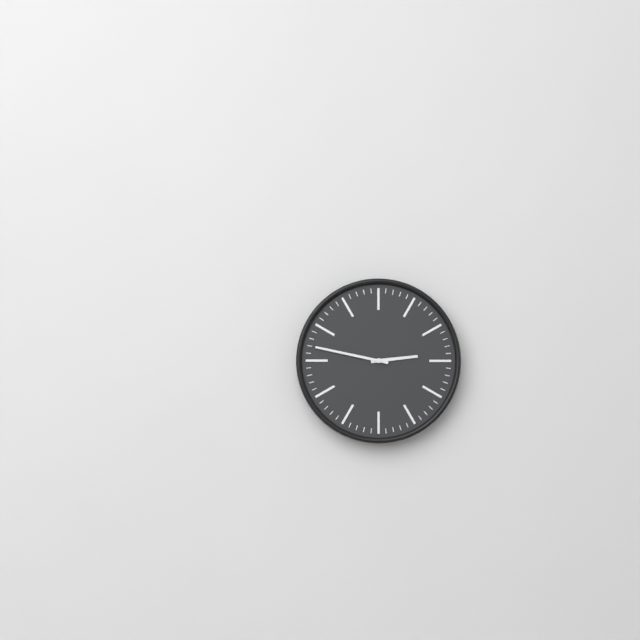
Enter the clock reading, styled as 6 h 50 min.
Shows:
2 h 47 min
